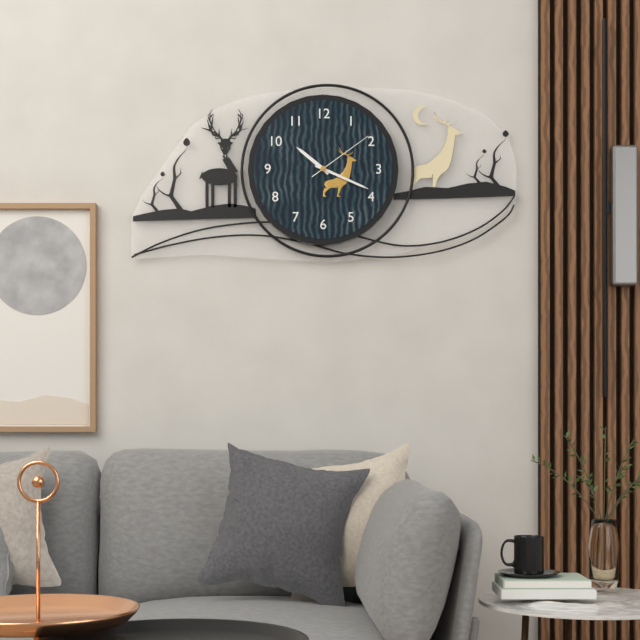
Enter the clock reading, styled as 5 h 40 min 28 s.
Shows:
10 h 19 min 09 s
